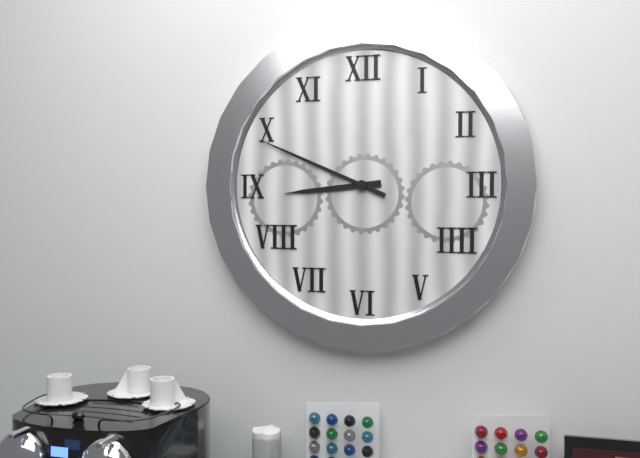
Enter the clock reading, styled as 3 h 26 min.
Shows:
8 h 49 min
